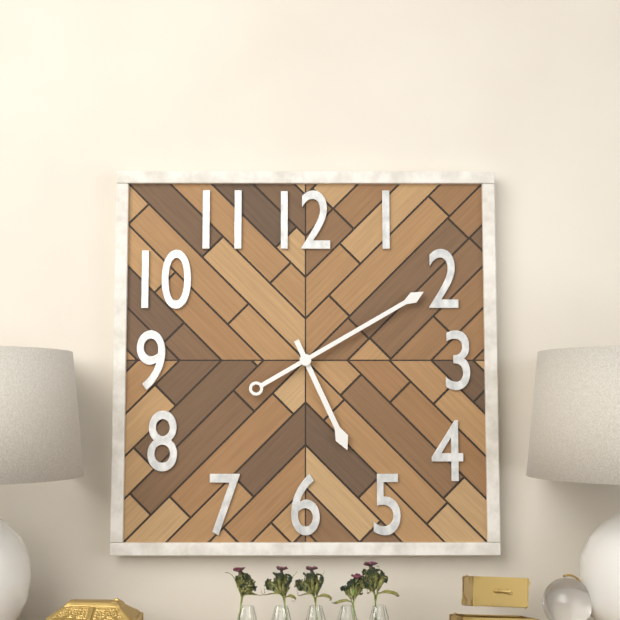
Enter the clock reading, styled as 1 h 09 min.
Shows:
5 h 10 min
